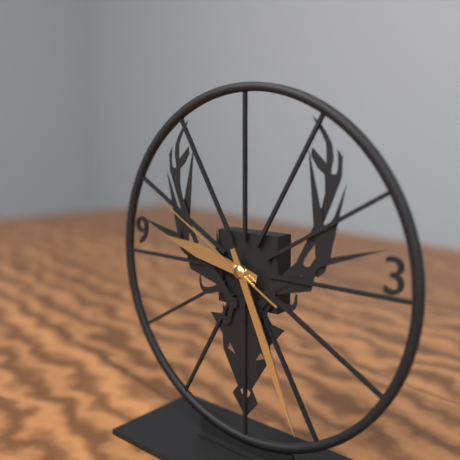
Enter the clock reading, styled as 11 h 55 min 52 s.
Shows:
9 h 26 min 50 s
